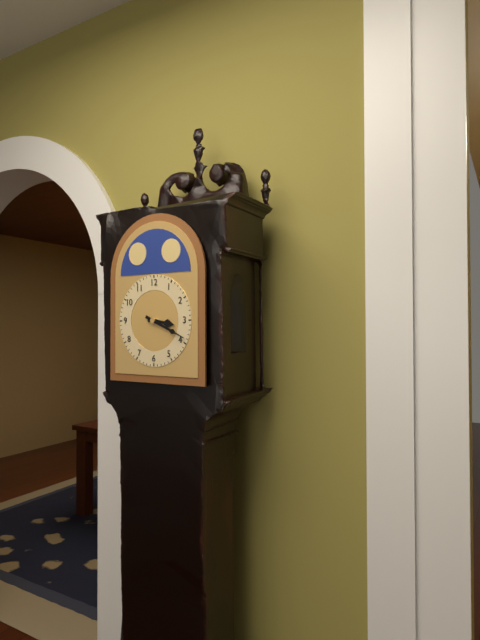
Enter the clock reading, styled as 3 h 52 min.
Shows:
3 h 19 min
